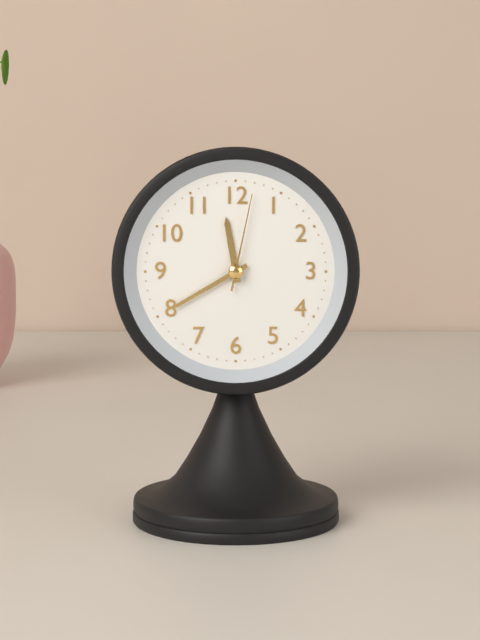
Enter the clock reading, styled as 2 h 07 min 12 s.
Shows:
11 h 40 min 02 s
